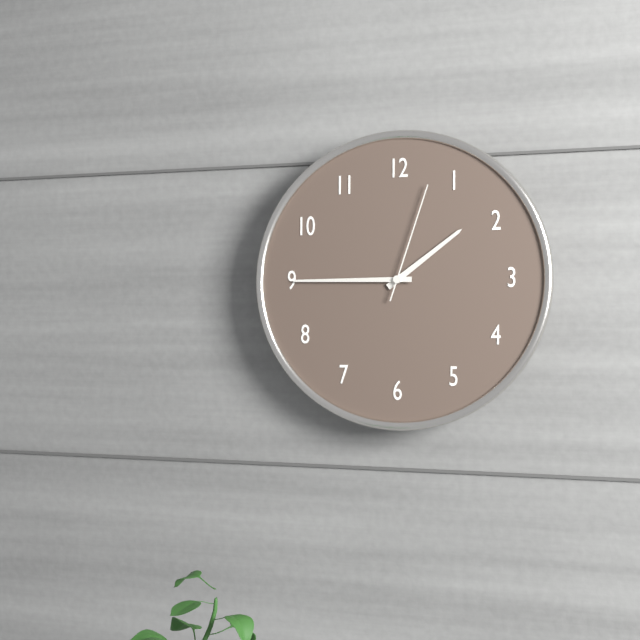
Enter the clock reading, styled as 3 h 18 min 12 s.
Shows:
1 h 45 min 03 s
